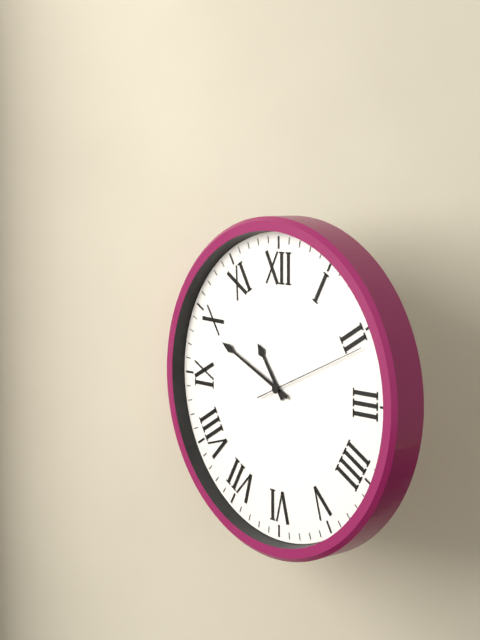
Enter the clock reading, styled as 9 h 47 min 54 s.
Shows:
10 h 49 min 11 s
